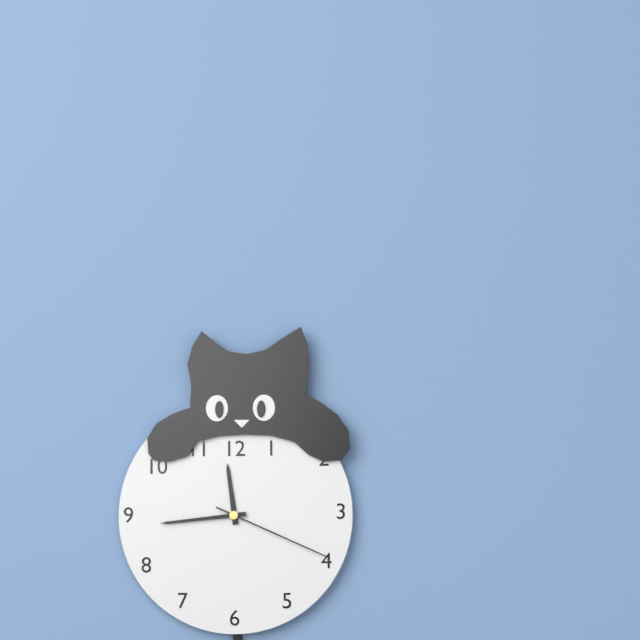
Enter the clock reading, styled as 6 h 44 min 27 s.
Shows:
11 h 44 min 19 s
